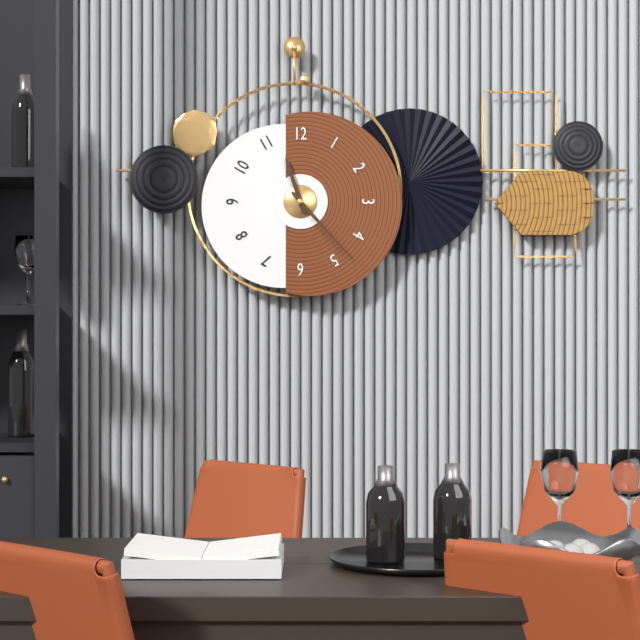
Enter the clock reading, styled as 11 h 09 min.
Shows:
11 h 23 min
